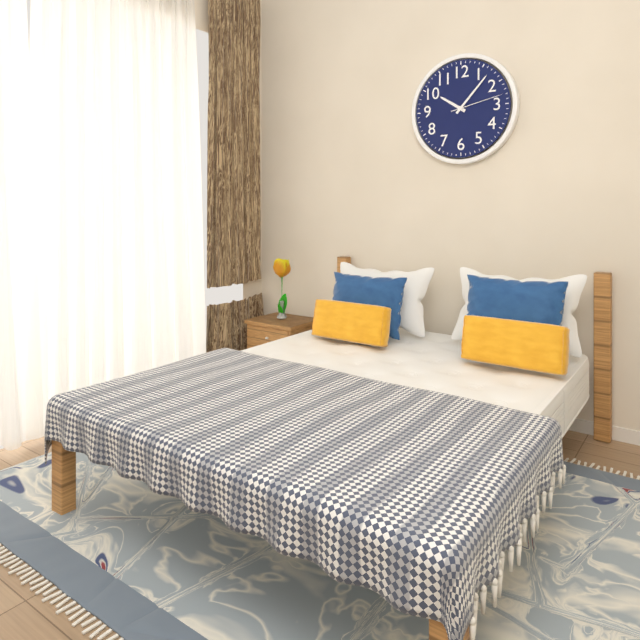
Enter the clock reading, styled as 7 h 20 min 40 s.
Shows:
10 h 07 min 13 s
